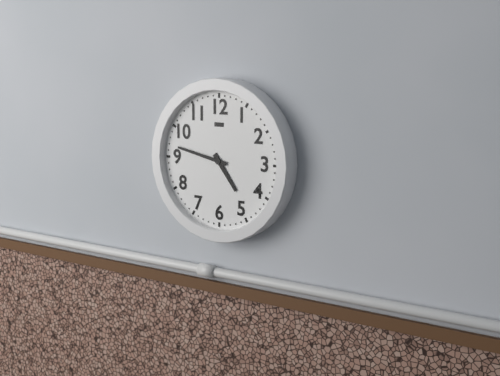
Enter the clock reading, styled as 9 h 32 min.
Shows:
4 h 47 min
